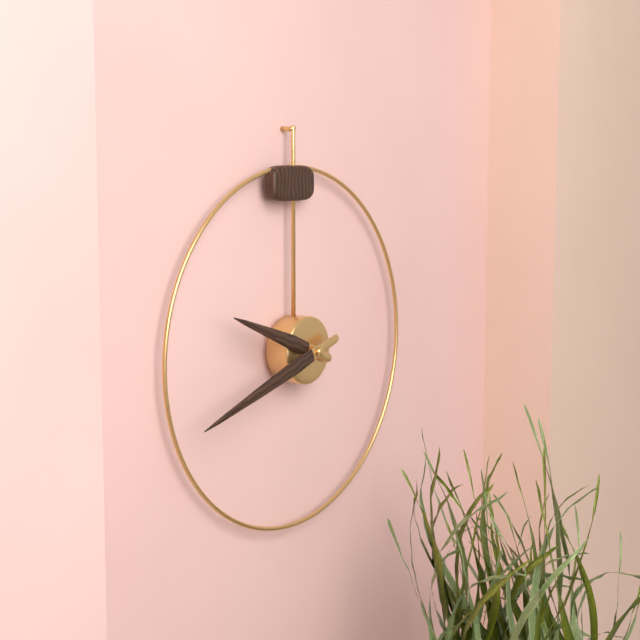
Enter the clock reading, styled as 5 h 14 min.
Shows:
9 h 42 min
